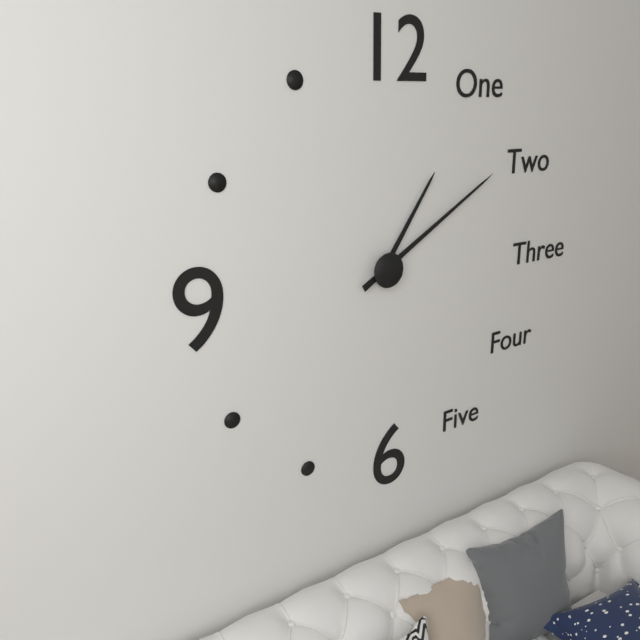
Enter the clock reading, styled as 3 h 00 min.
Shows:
1 h 10 min
